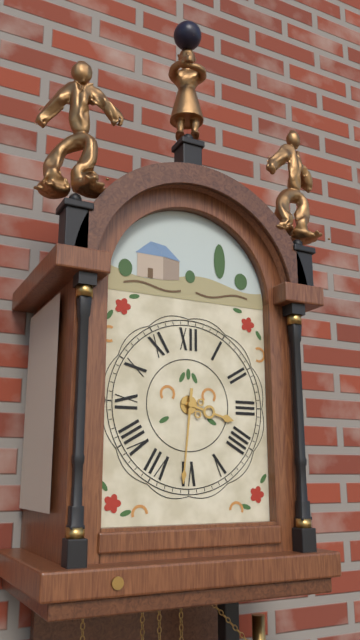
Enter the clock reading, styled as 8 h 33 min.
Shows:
3 h 31 min
